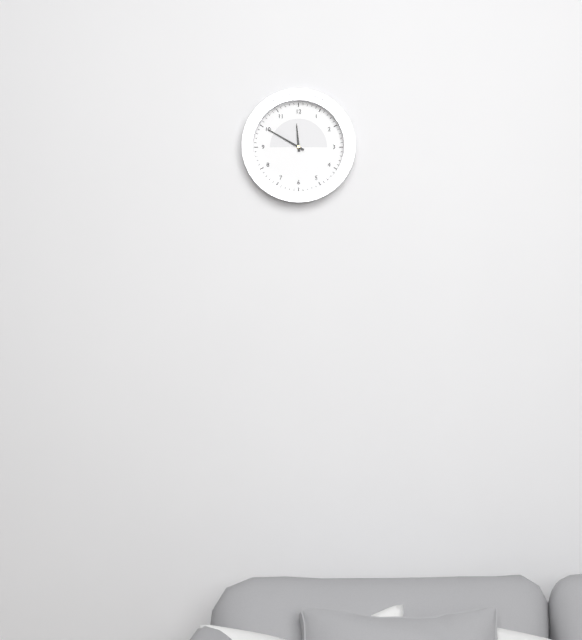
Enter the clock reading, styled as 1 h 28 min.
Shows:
11 h 50 min
